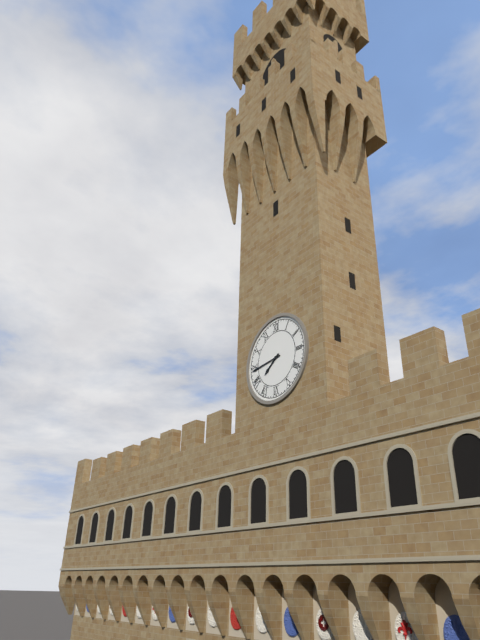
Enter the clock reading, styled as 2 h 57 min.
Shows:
7 h 44 min
